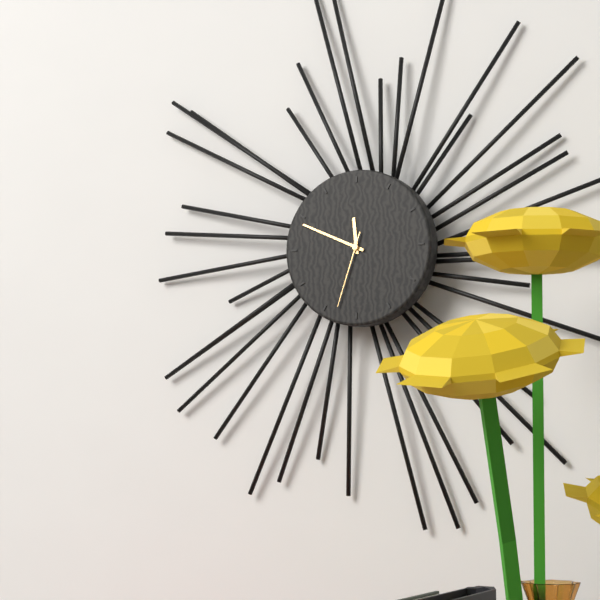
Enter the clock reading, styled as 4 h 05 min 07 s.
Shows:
11 h 49 min 33 s
